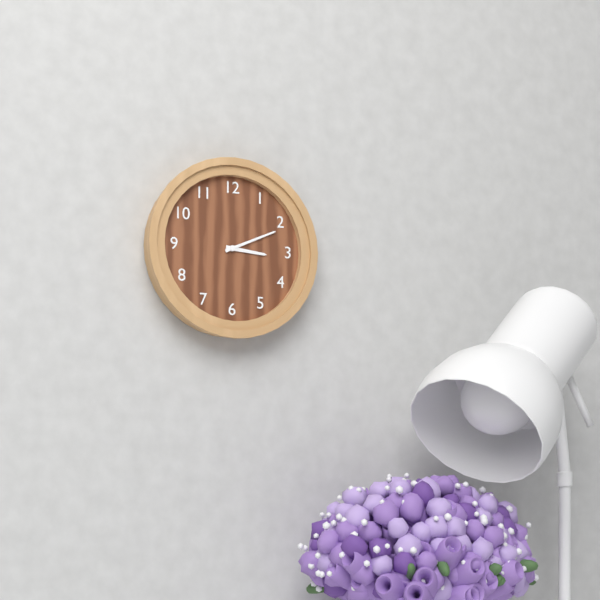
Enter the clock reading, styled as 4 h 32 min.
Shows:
3 h 11 min
